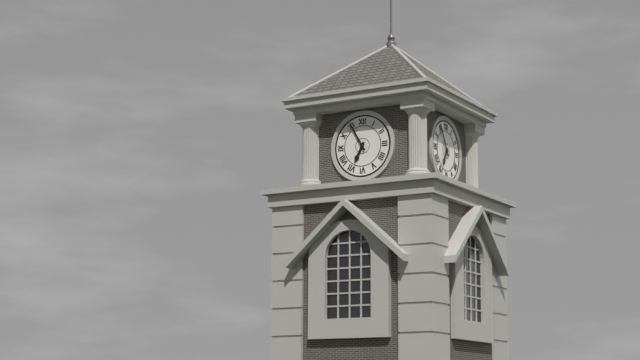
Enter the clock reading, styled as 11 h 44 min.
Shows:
6 h 55 min
